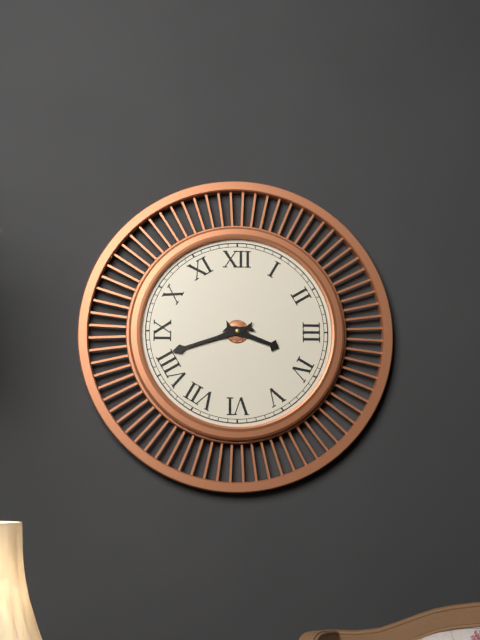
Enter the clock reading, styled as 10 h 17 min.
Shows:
3 h 42 min
